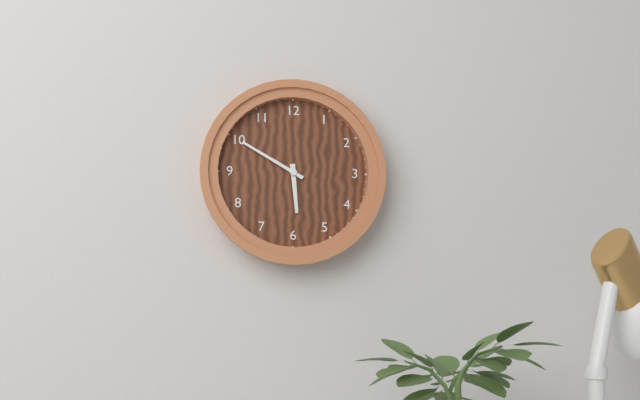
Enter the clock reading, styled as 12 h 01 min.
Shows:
5 h 50 min
